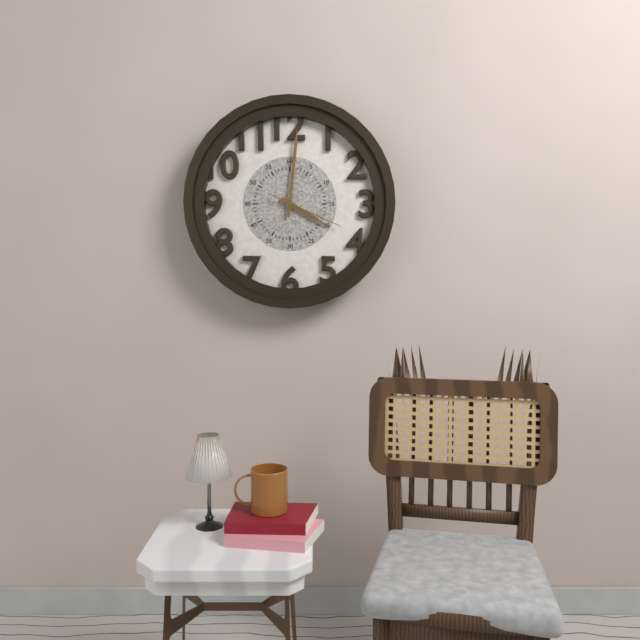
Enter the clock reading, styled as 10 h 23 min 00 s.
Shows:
4 h 01 min 19 s
